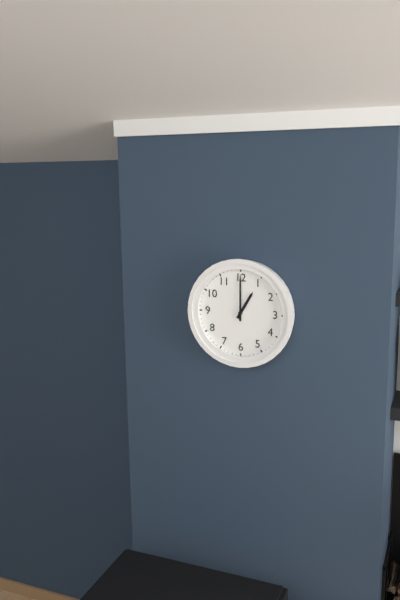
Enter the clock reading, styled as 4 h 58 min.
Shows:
1 h 00 min
